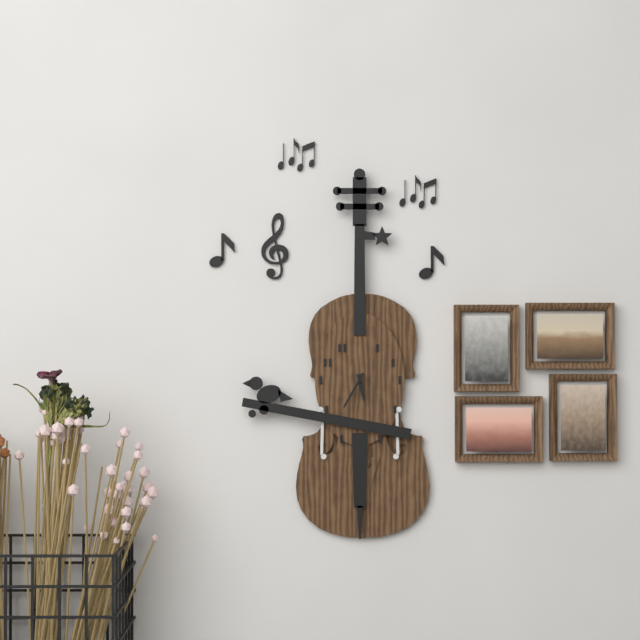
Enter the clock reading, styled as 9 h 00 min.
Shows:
5 h 35 min
